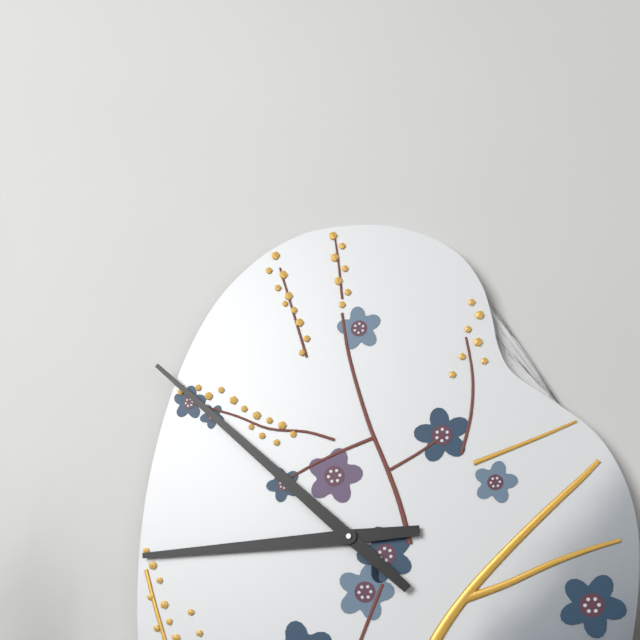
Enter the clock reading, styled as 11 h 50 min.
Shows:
8 h 52 min
